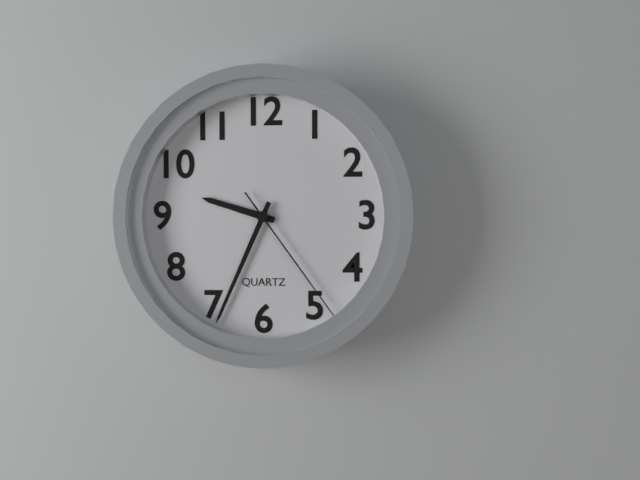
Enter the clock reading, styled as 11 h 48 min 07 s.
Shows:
9 h 34 min 24 s
